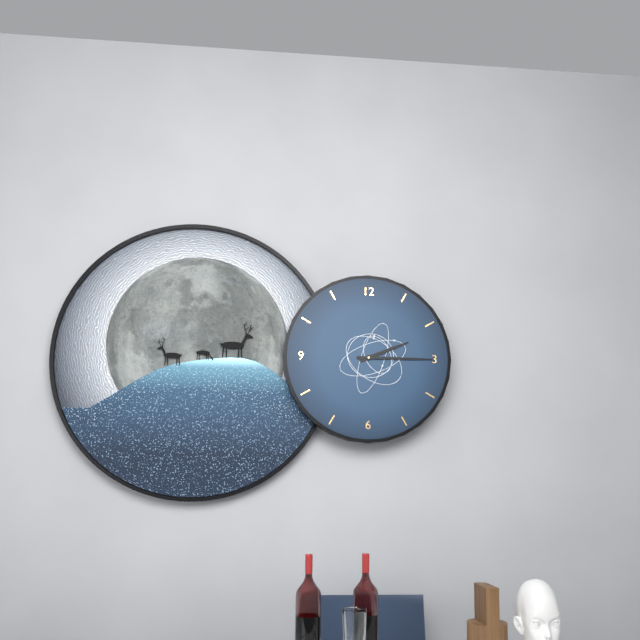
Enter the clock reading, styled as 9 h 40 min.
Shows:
2 h 15 min
